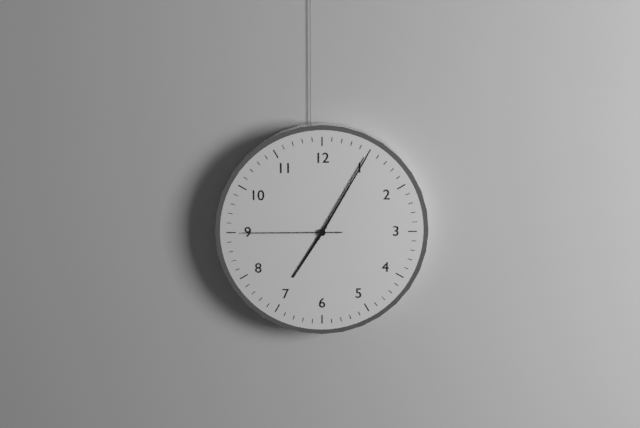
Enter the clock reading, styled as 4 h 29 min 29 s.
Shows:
7 h 05 min 45 s
